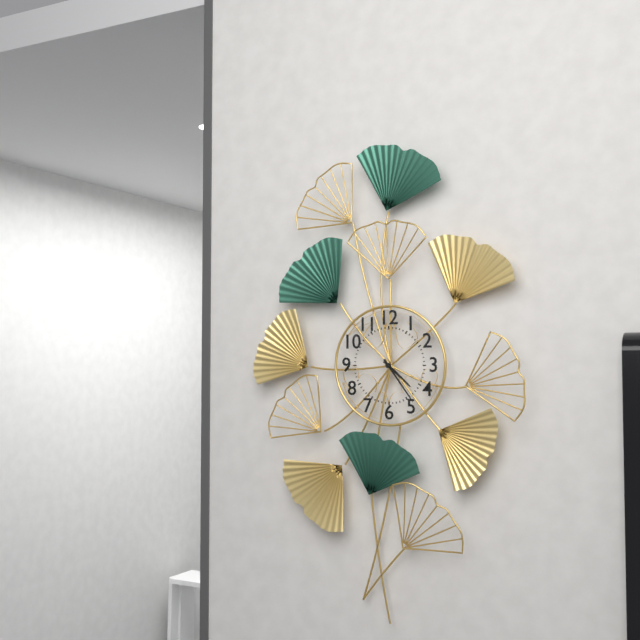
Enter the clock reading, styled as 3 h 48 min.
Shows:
4 h 24 min
